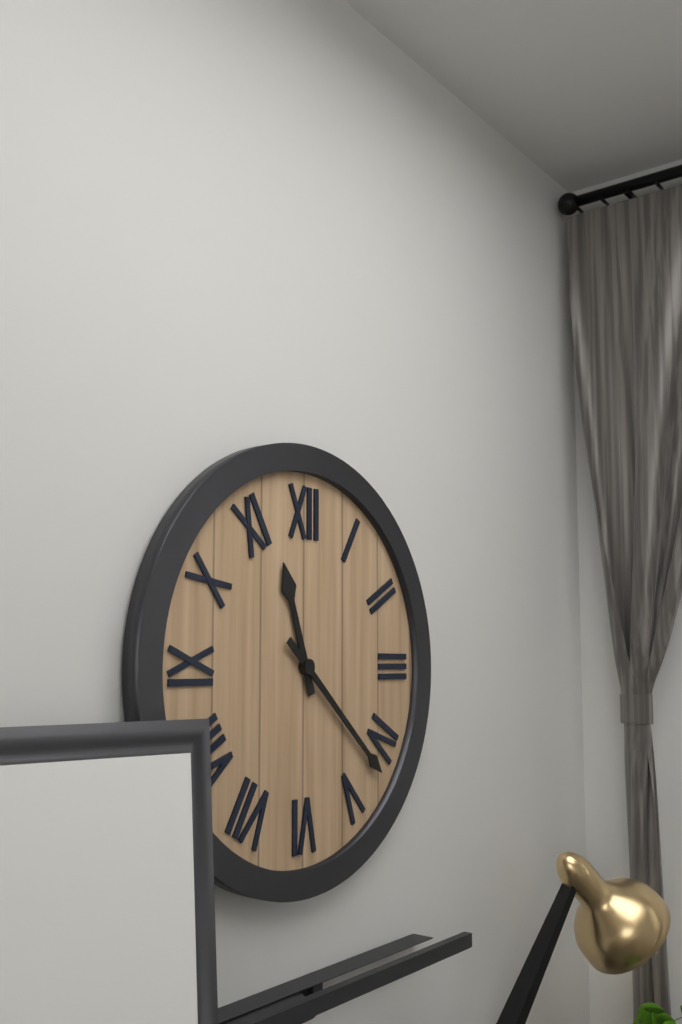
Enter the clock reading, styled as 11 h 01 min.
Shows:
11 h 22 min
